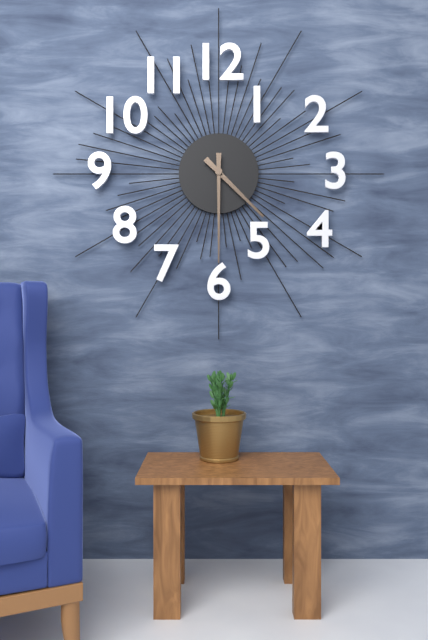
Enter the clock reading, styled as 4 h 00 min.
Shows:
4 h 30 min
